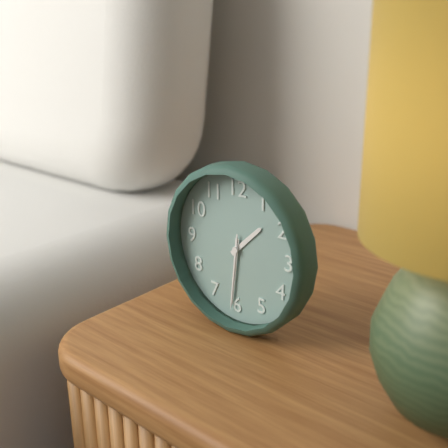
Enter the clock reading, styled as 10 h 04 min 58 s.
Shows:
1 h 31 min 31 s
